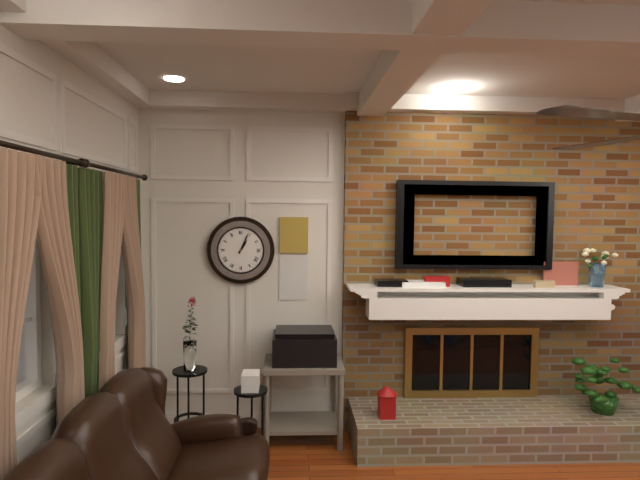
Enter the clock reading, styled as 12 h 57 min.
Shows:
1 h 04 min
